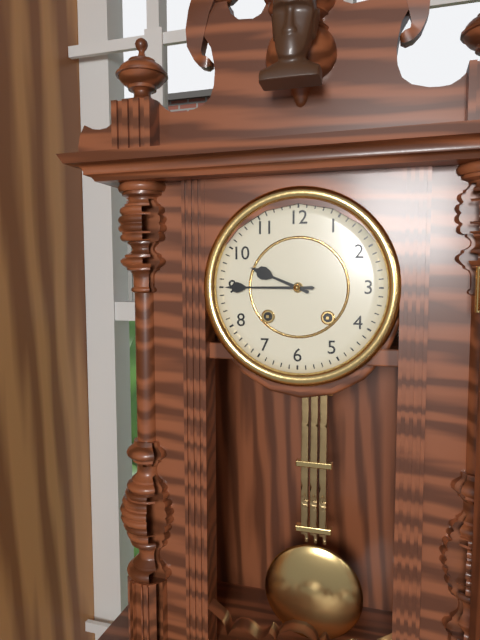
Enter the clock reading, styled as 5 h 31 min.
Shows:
9 h 45 min
